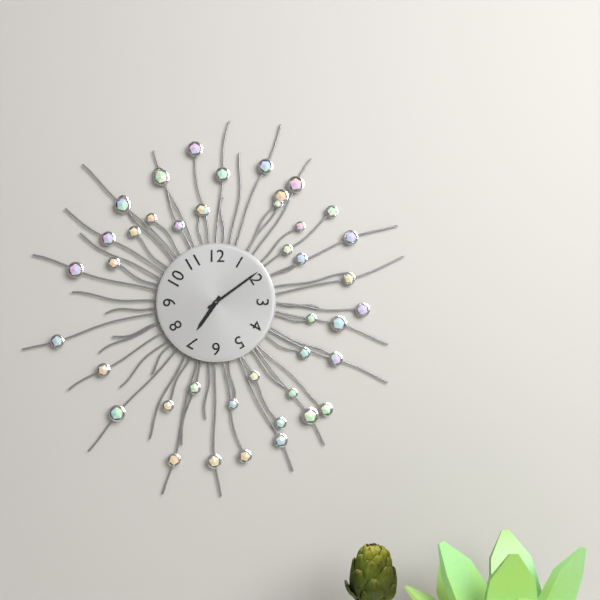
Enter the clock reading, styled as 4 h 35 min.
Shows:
7 h 09 min
